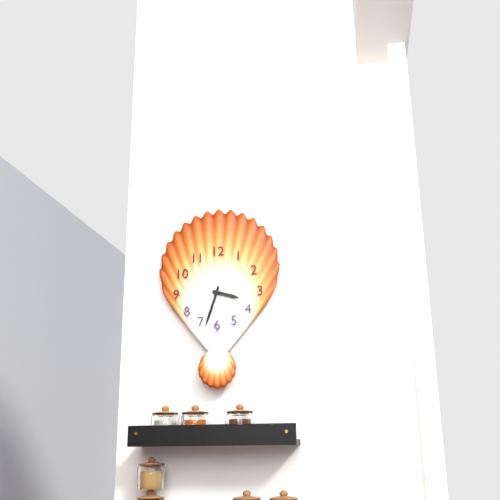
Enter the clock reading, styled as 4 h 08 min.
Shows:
3 h 33 min
